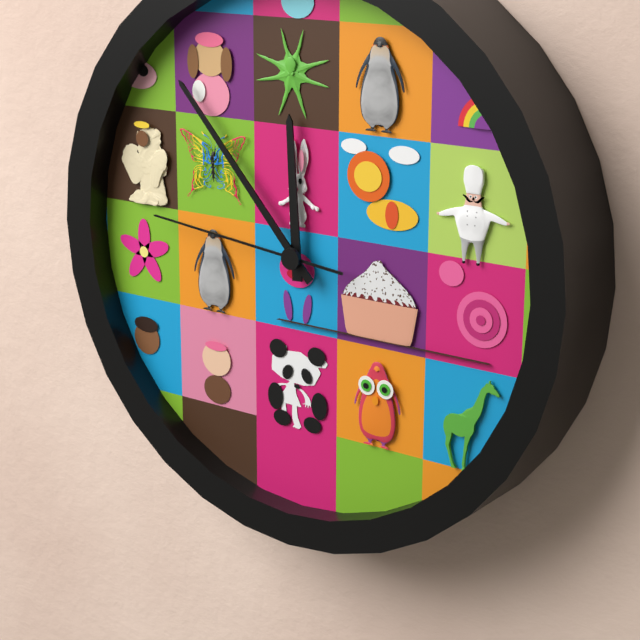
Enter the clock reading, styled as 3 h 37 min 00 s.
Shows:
11 h 53 min 46 s
